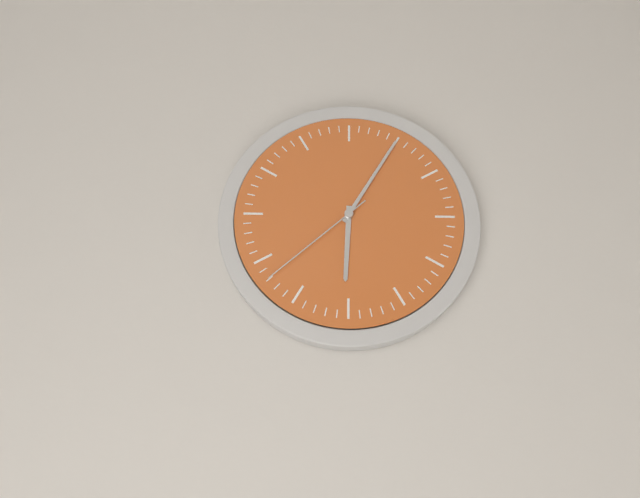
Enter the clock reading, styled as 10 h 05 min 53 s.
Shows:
6 h 05 min 38 s
